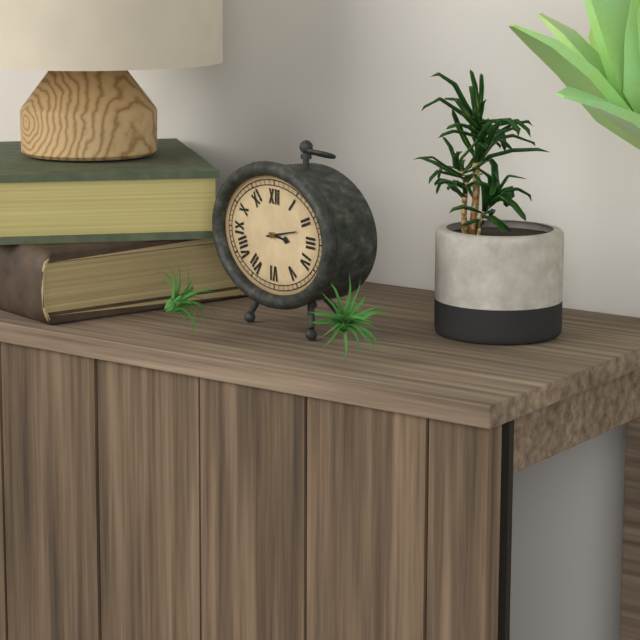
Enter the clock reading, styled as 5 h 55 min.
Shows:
3 h 13 min
